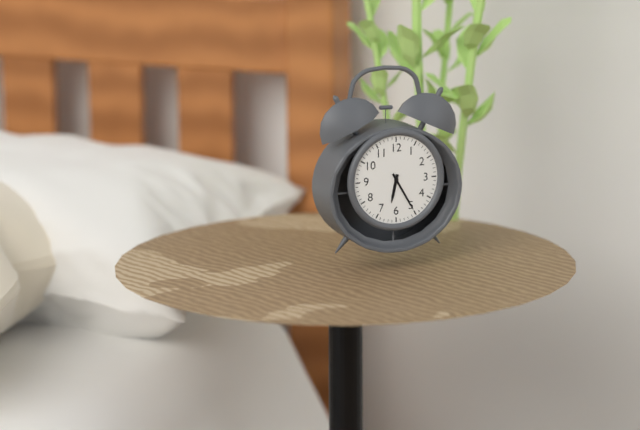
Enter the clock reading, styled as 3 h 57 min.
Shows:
6 h 25 min
